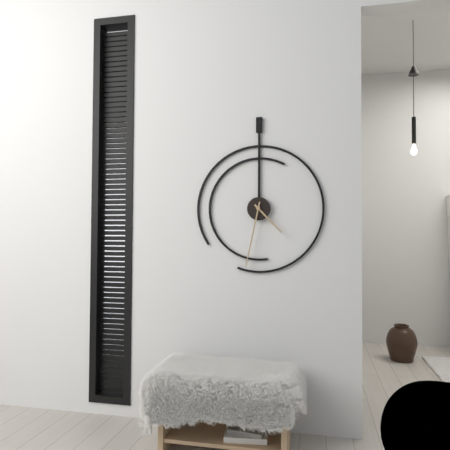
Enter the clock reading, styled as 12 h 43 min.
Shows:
4 h 32 min
